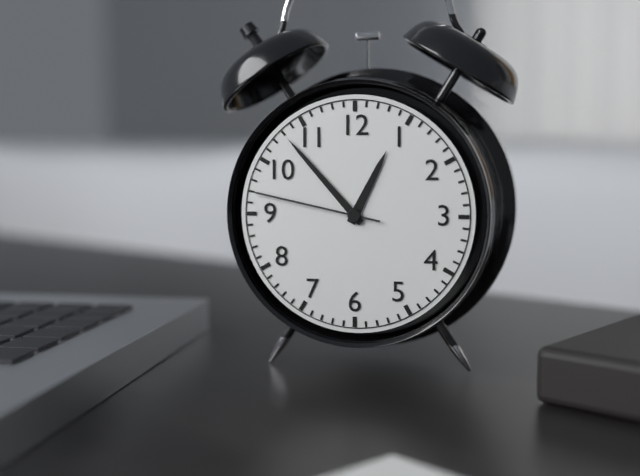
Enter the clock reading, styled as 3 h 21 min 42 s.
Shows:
12 h 53 min 47 s
